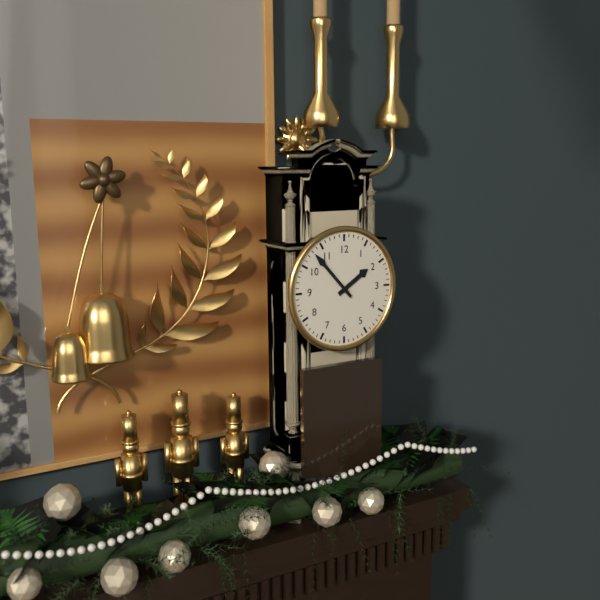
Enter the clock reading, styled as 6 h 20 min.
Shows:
1 h 53 min
